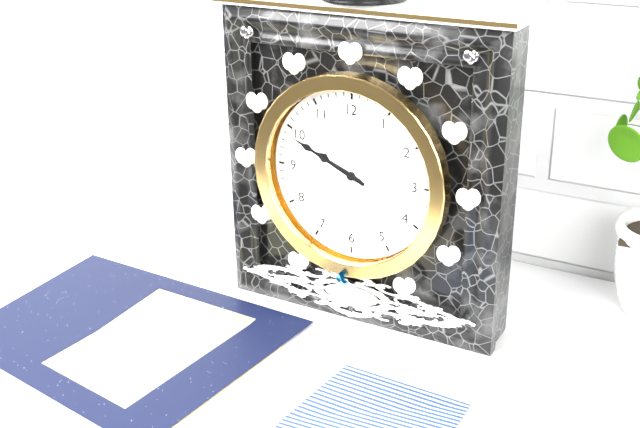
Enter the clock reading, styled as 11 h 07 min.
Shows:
9 h 49 min
